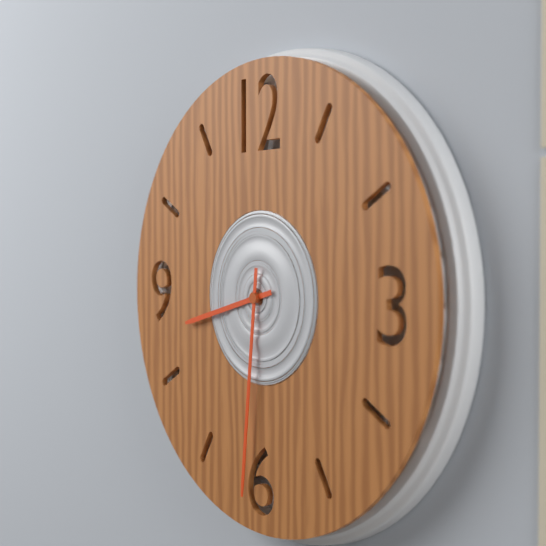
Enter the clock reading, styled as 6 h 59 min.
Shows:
8 h 31 min
